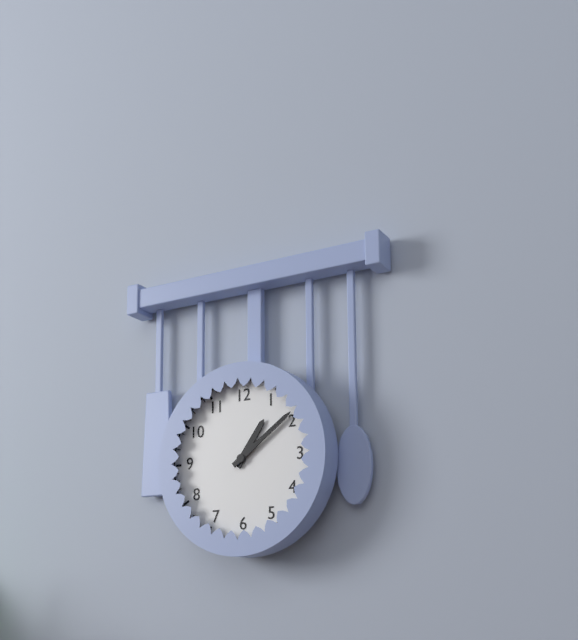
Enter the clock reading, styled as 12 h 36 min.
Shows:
1 h 09 min
